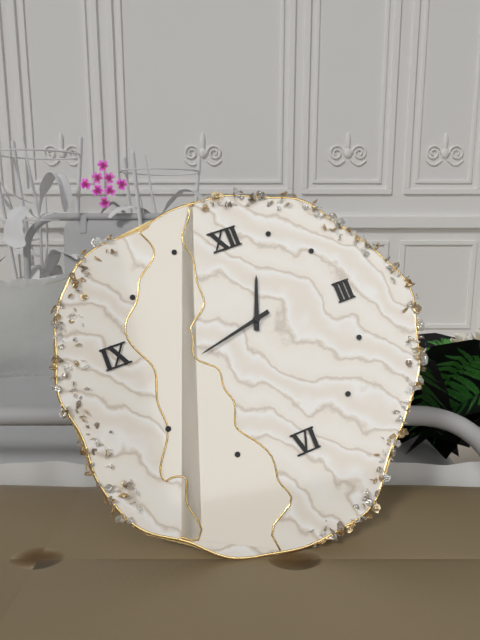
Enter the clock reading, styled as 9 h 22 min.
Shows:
12 h 43 min
